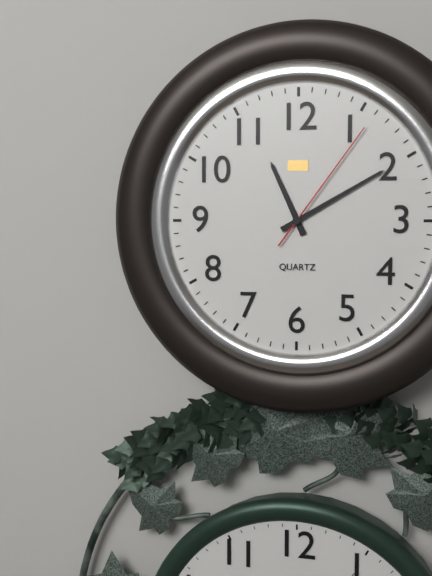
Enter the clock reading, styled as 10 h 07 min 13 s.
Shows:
11 h 10 min 06 s
